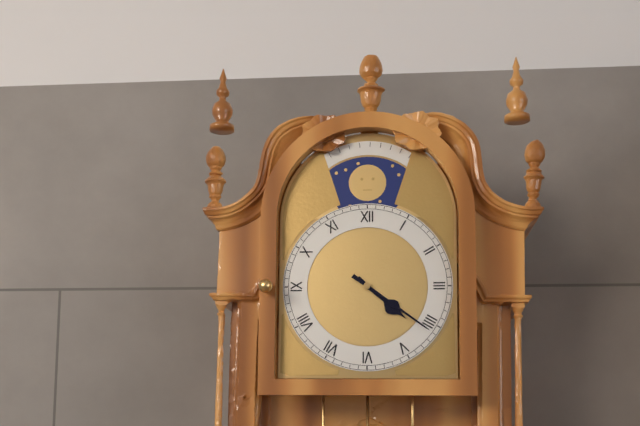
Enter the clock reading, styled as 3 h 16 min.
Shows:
4 h 21 min
